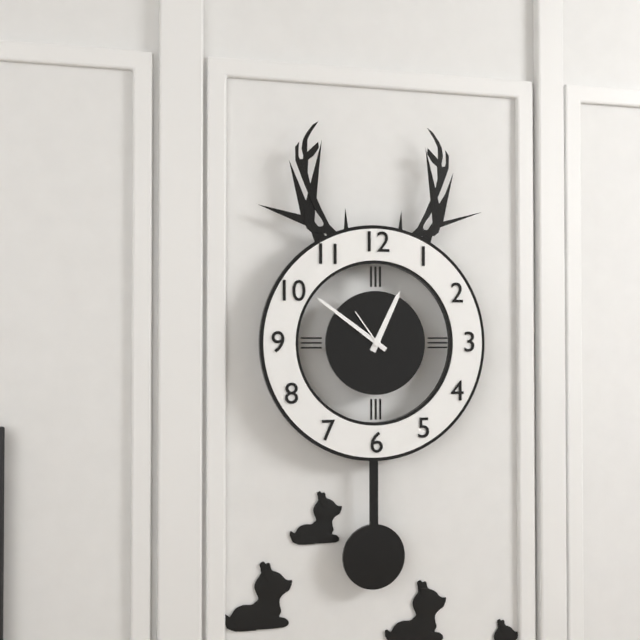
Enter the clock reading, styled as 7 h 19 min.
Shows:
12 h 51 min
